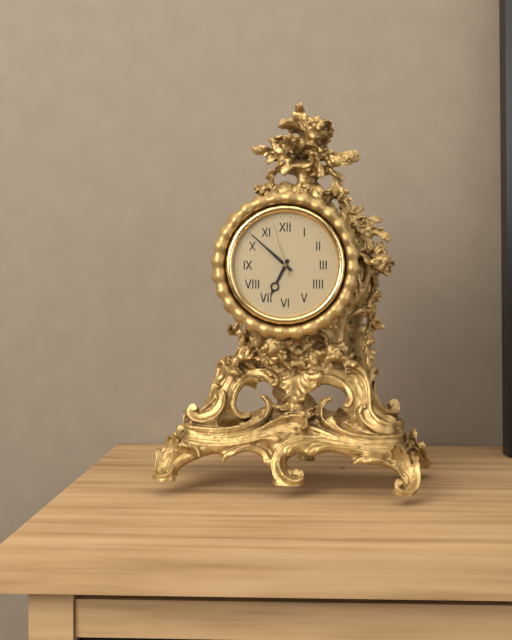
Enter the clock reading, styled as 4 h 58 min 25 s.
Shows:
6 h 52 min 57 s
